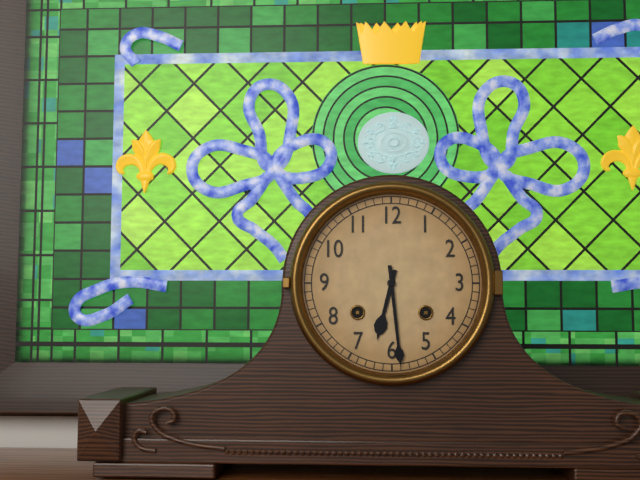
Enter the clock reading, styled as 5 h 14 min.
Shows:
6 h 29 min
